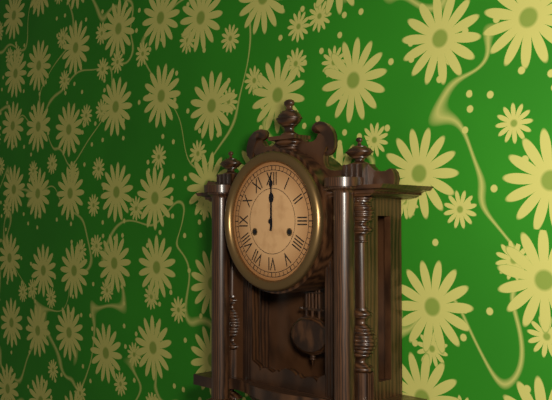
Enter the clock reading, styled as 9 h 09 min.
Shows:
12 h 00 min
